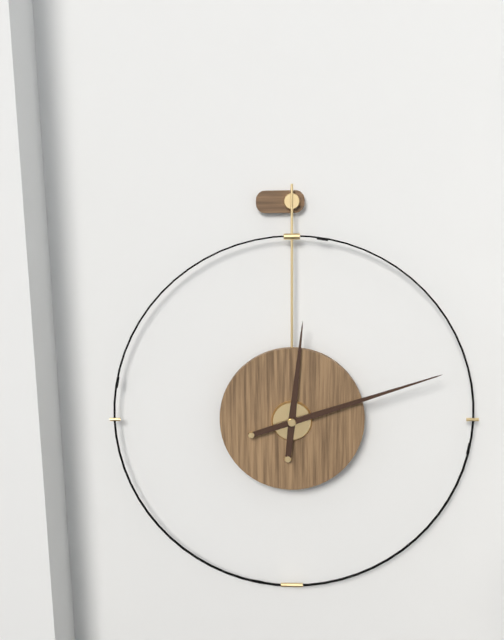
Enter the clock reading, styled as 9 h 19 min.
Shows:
12 h 12 min
